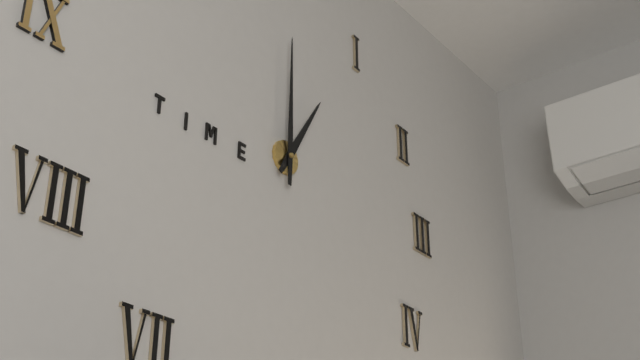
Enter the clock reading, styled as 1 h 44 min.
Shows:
1 h 00 min
